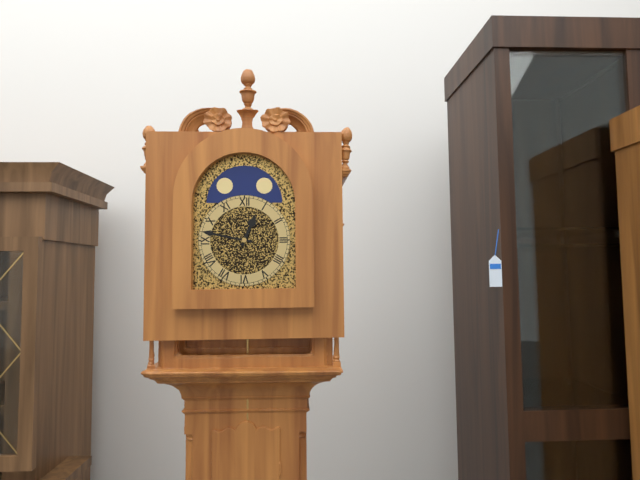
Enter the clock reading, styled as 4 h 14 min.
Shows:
12 h 47 min
